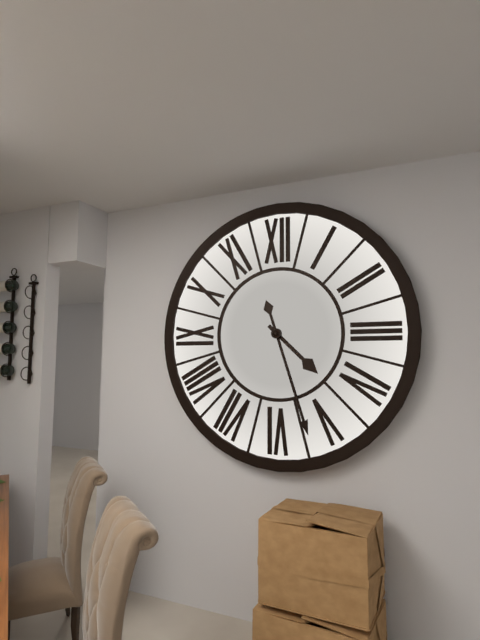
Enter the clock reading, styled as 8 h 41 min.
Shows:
4 h 27 min
